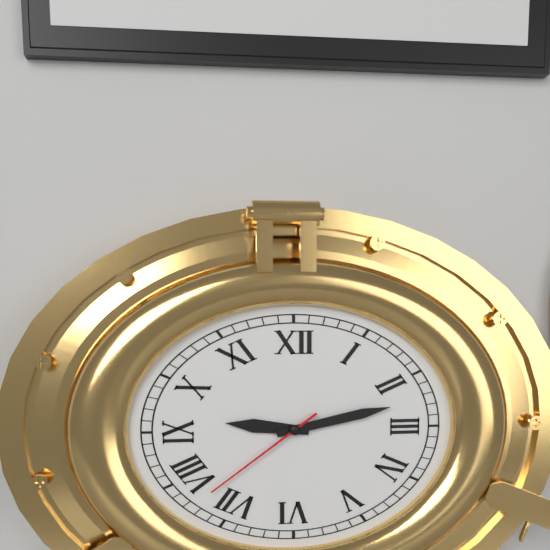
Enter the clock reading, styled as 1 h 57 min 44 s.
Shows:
9 h 13 min 39 s
